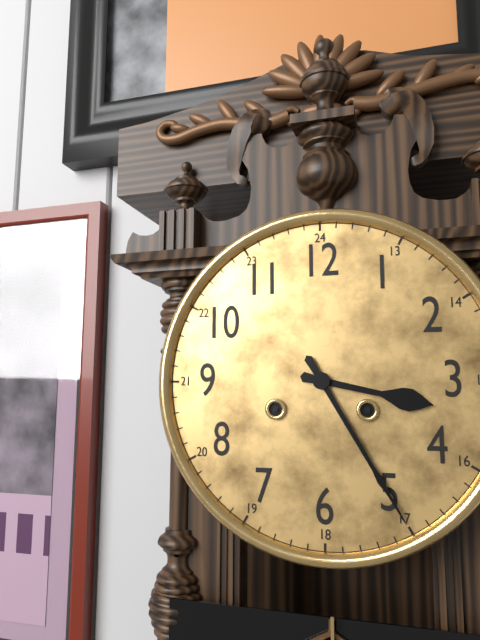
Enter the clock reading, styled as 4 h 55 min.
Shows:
3 h 25 min
